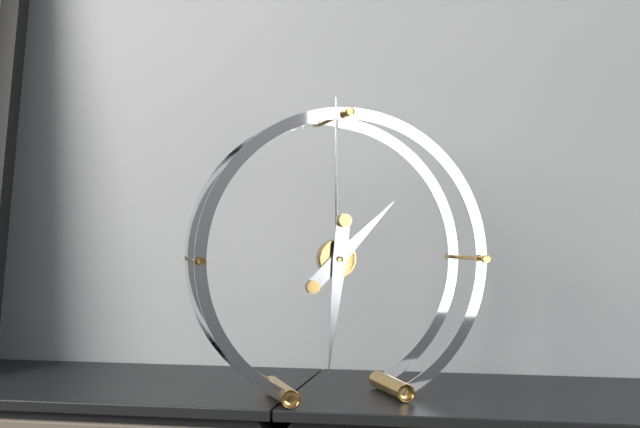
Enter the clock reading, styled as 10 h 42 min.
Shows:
1 h 31 min
